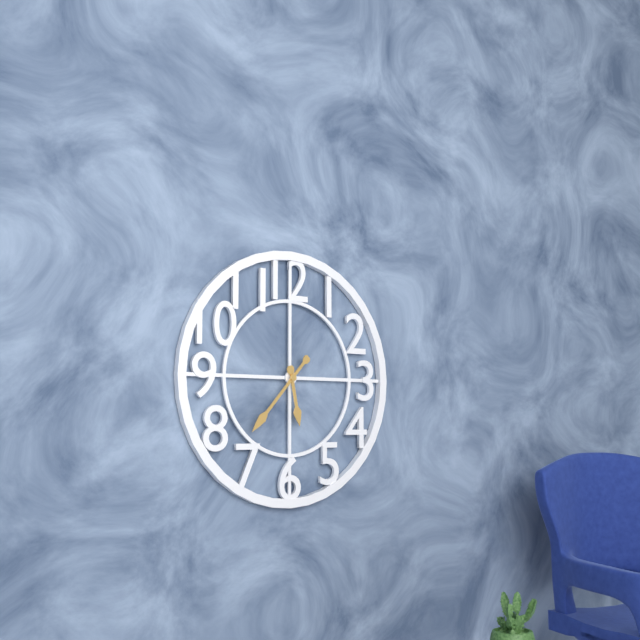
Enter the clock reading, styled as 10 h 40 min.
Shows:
5 h 37 min
